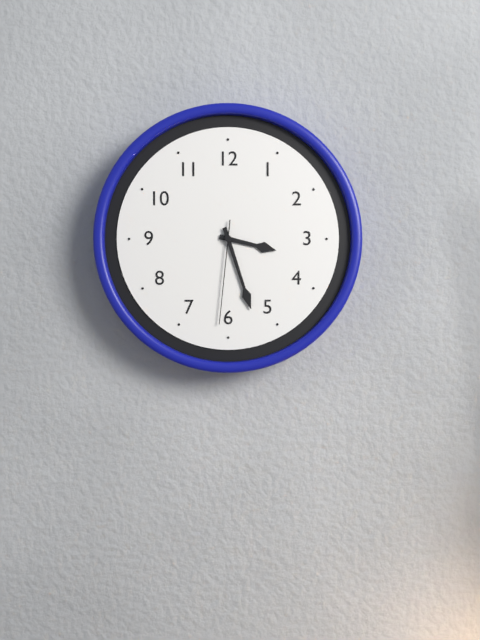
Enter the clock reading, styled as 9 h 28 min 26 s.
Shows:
3 h 27 min 31 s
